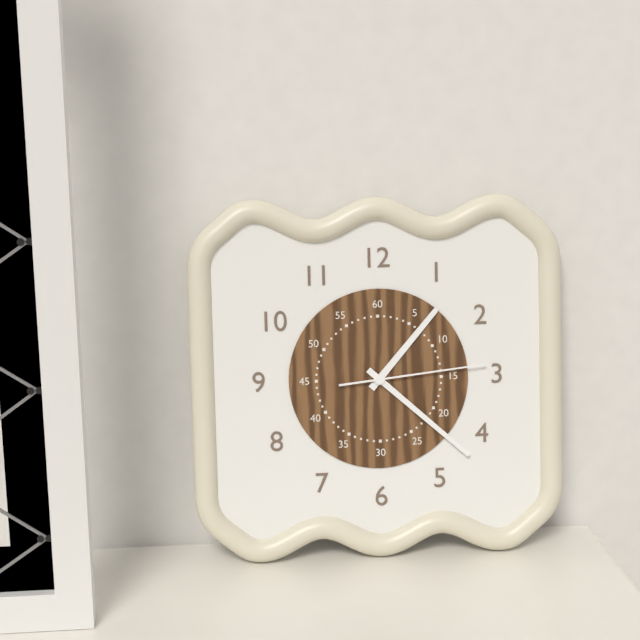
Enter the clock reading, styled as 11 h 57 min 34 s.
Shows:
1 h 22 min 14 s
